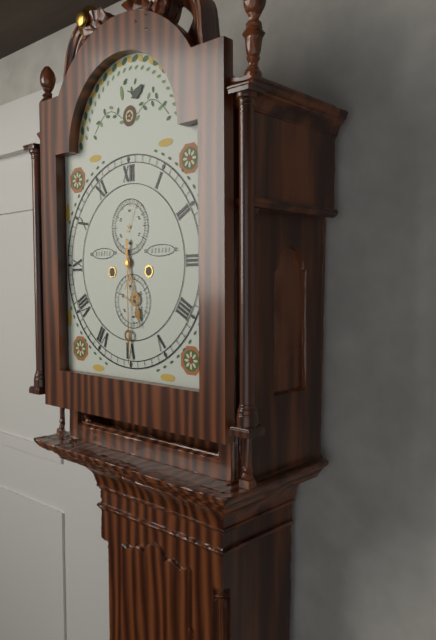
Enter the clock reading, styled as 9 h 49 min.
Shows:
5 h 30 min
